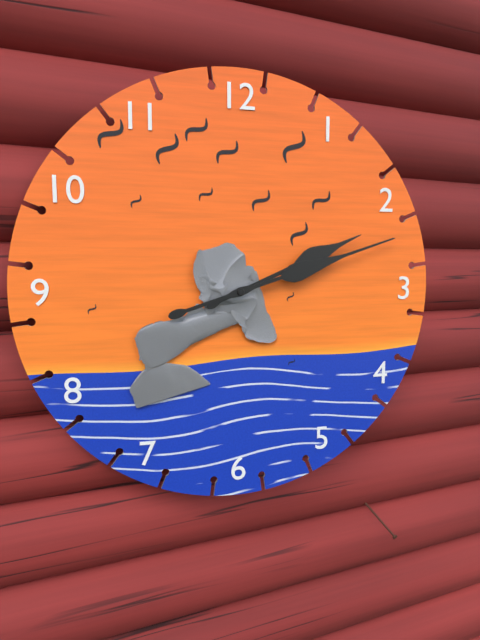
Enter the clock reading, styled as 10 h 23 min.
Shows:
2 h 12 min
